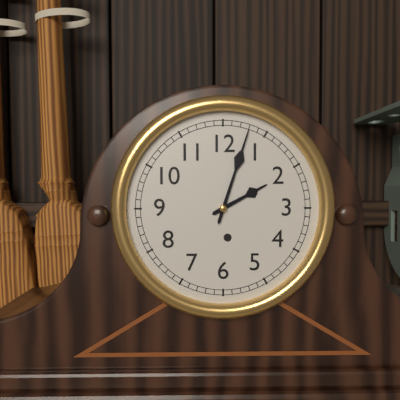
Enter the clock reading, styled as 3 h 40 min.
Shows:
2 h 03 min
